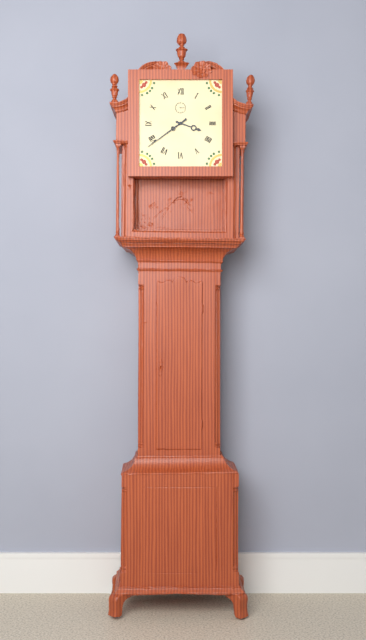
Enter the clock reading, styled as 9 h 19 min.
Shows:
3 h 39 min
